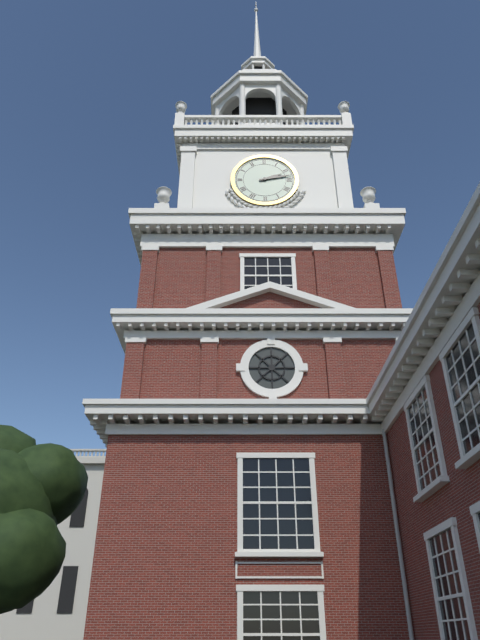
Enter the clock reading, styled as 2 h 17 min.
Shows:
2 h 13 min
